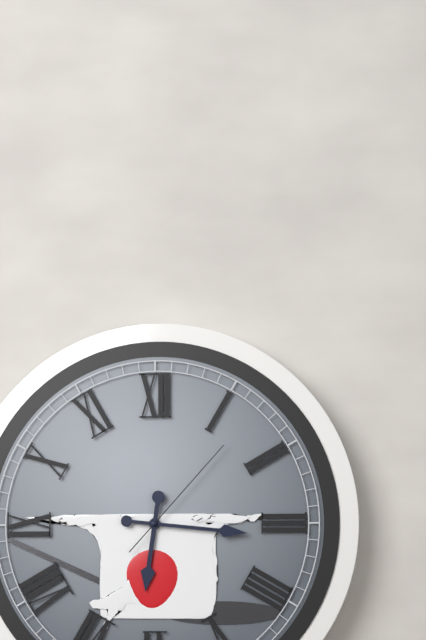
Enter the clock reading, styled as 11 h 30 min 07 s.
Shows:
6 h 16 min 07 s
